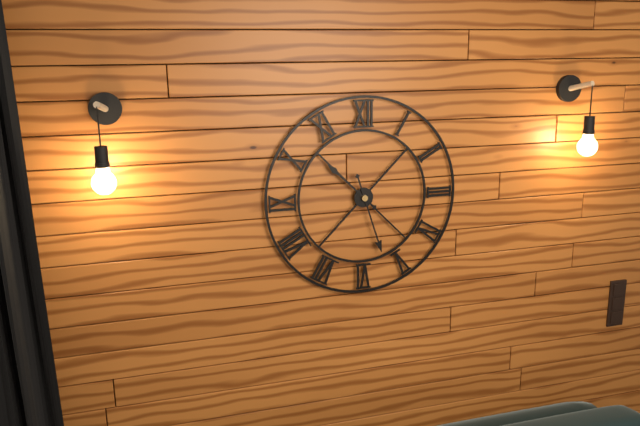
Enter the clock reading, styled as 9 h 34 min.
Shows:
10 h 27 min
